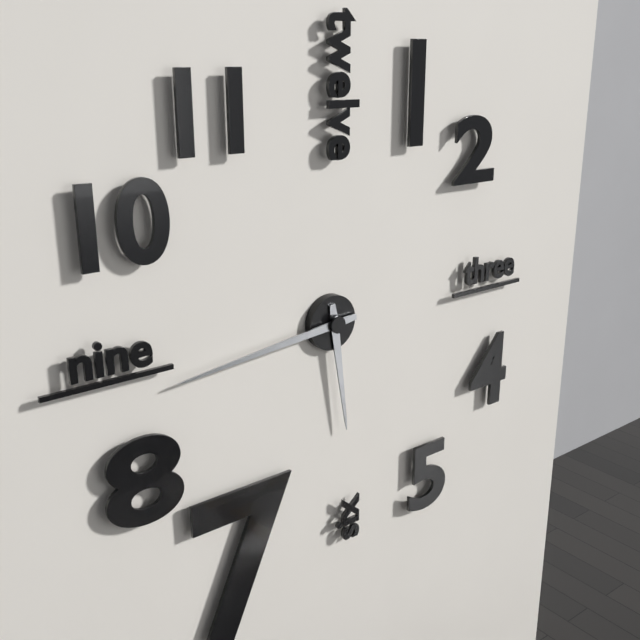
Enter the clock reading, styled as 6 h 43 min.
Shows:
5 h 44 min
